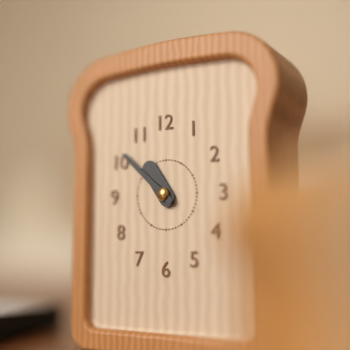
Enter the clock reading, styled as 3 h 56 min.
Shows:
10 h 52 min
